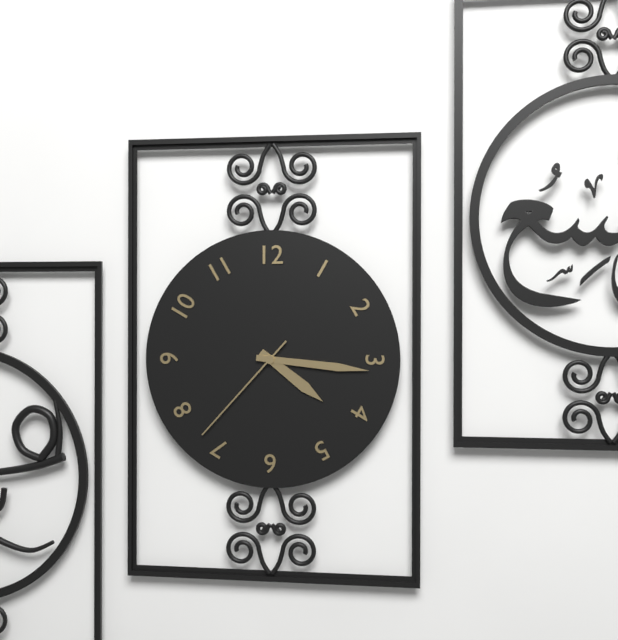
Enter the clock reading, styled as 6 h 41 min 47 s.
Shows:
4 h 16 min 37 s
